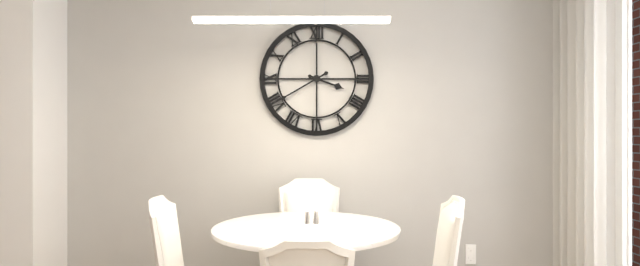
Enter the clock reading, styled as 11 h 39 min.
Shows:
3 h 40 min
